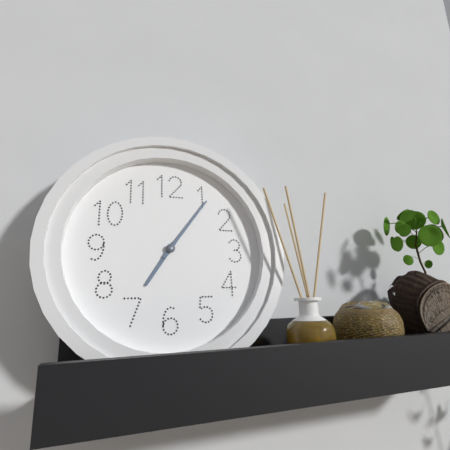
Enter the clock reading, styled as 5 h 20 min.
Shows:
7 h 06 min
